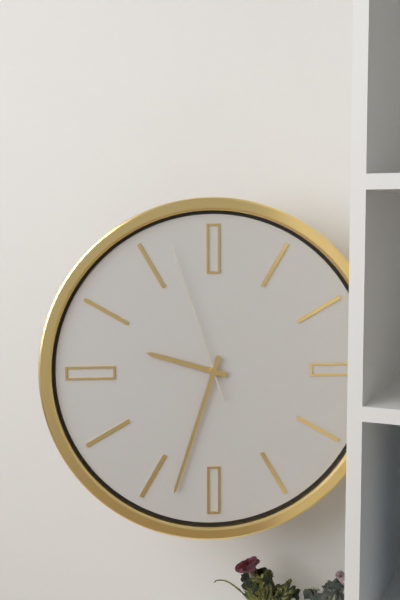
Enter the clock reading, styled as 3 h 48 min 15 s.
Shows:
9 h 33 min 57 s
